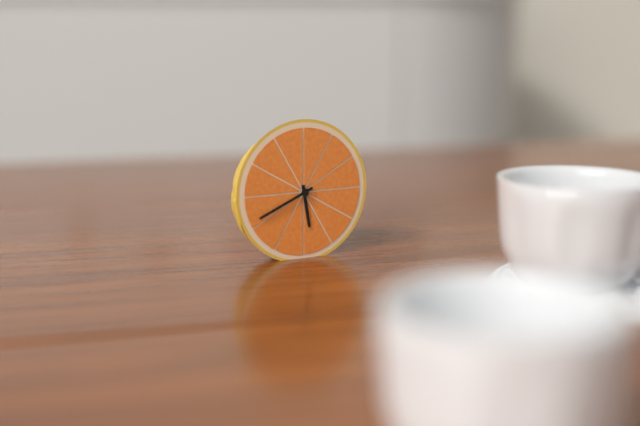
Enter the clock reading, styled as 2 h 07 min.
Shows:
5 h 41 min
